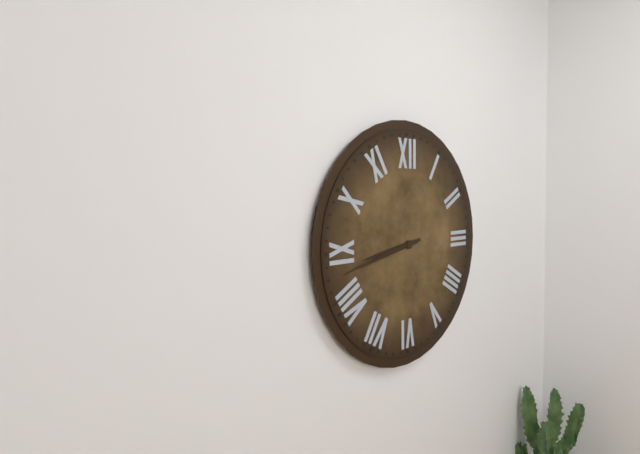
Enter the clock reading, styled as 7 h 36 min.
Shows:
8 h 43 min
